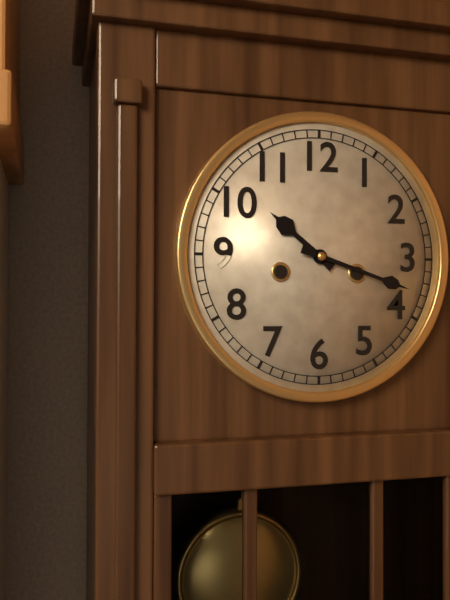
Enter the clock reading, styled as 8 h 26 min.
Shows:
10 h 18 min
